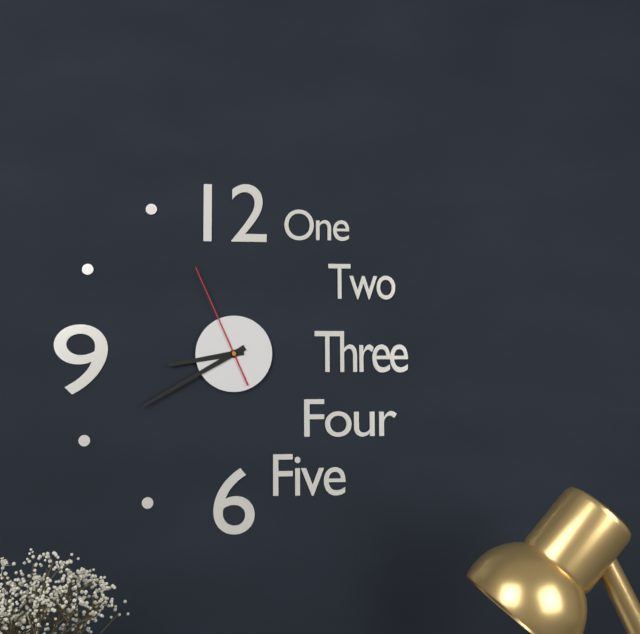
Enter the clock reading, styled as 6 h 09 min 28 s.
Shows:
8 h 40 min 56 s
